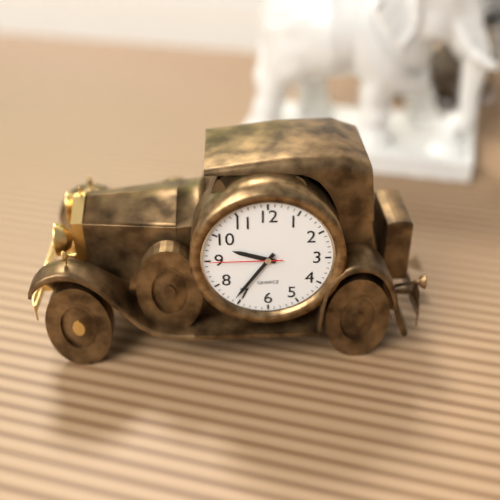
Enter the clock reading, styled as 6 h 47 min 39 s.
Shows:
9 h 36 min 45 s
